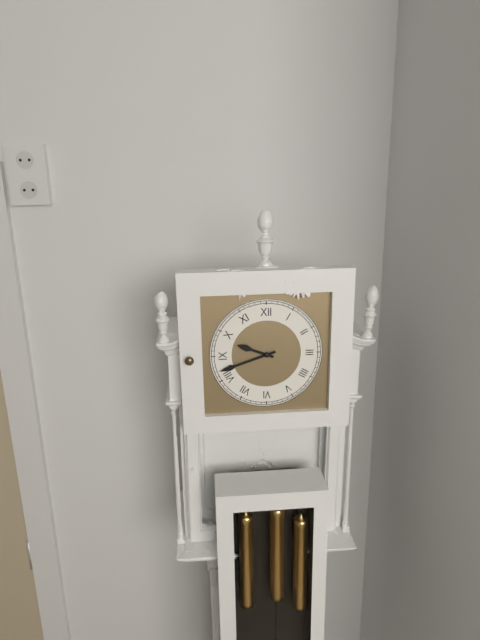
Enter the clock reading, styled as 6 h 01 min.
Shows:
9 h 42 min
